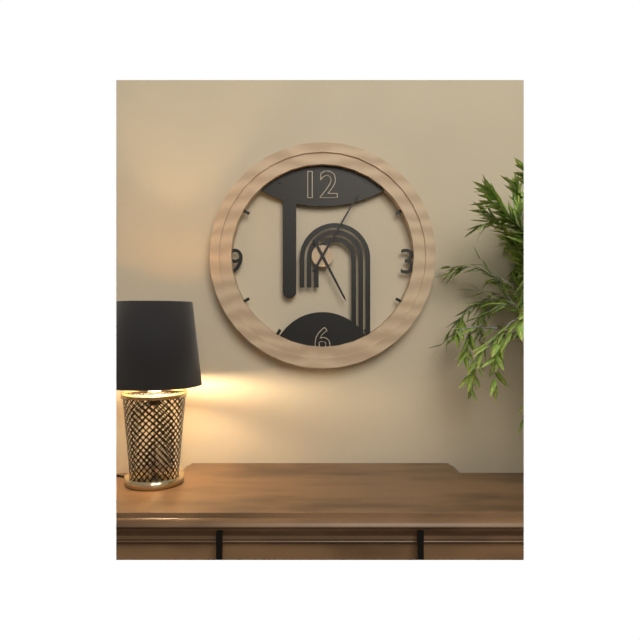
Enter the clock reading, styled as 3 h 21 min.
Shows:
5 h 05 min
